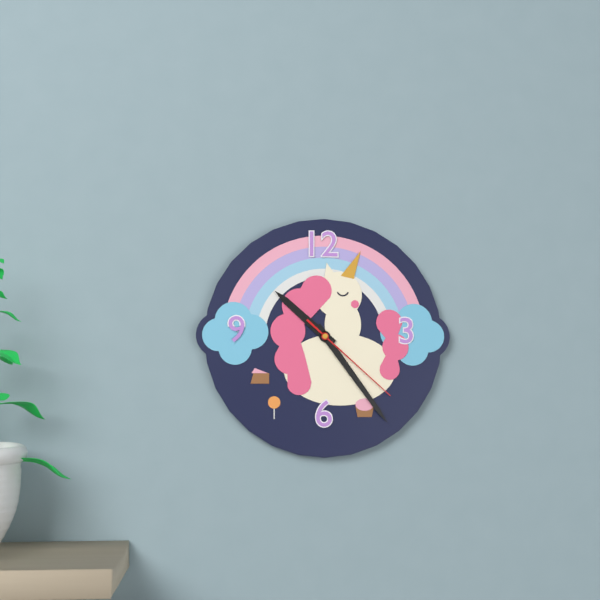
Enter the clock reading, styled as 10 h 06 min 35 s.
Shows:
10 h 24 min 22 s
